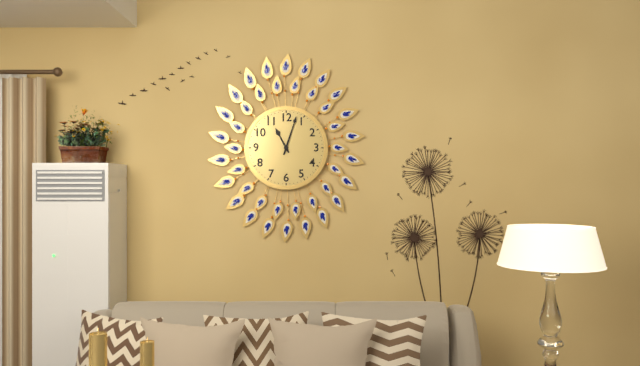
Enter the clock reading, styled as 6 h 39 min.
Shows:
11 h 03 min
